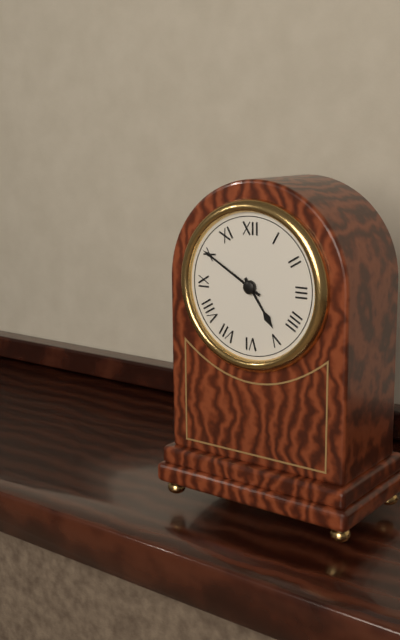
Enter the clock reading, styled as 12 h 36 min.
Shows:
4 h 50 min
